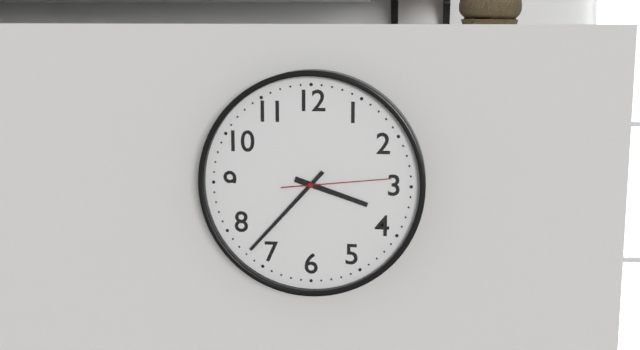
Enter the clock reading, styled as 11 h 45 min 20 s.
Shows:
3 h 37 min 14 s
